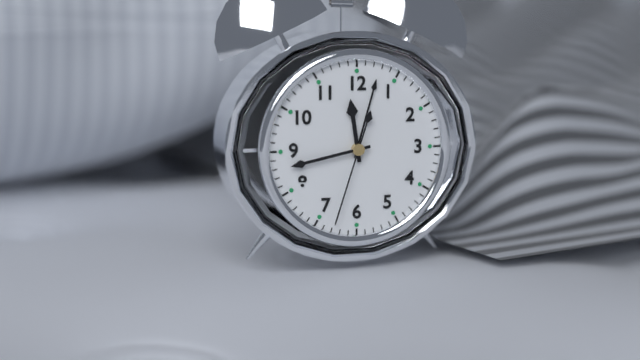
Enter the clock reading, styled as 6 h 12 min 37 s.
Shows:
11 h 43 min 33 s
